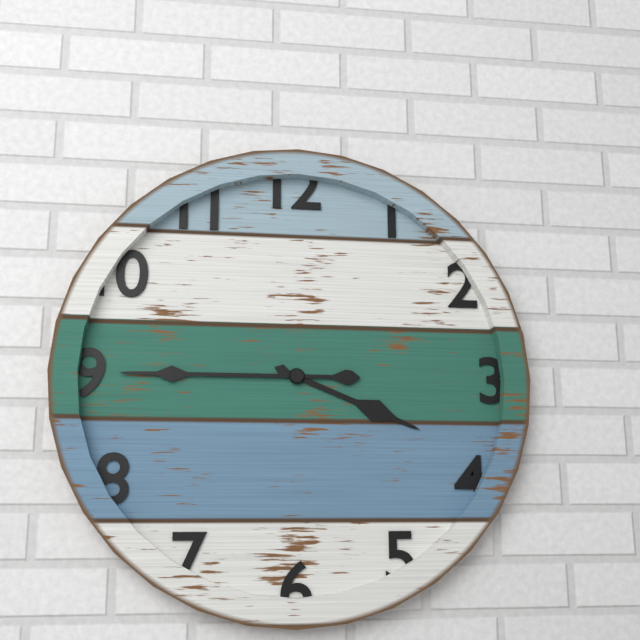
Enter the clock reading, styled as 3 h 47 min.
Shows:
3 h 45 min
